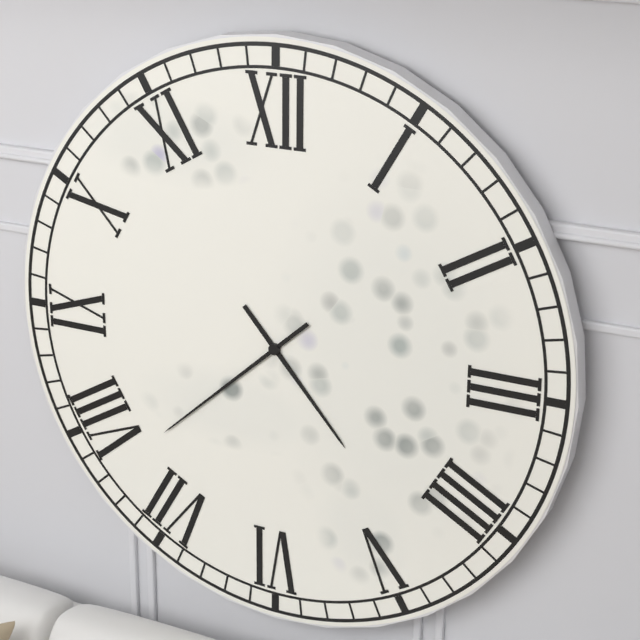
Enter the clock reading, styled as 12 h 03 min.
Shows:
4 h 38 min
